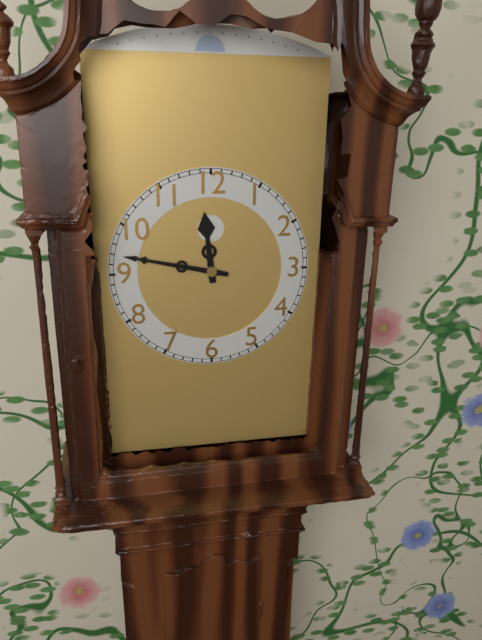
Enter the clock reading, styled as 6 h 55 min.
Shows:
11 h 47 min
